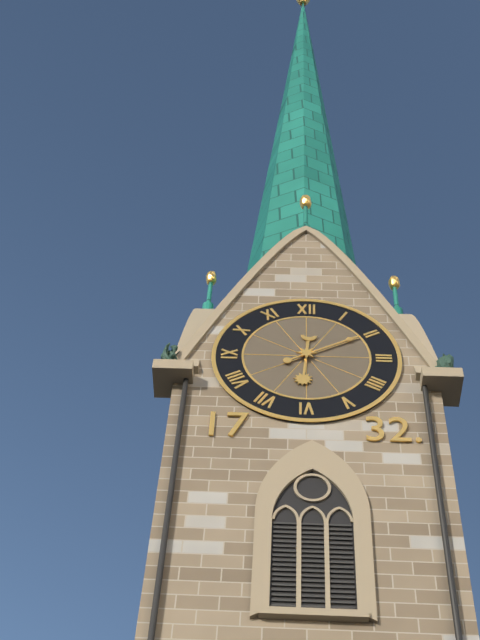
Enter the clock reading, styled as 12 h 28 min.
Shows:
6 h 10 min
